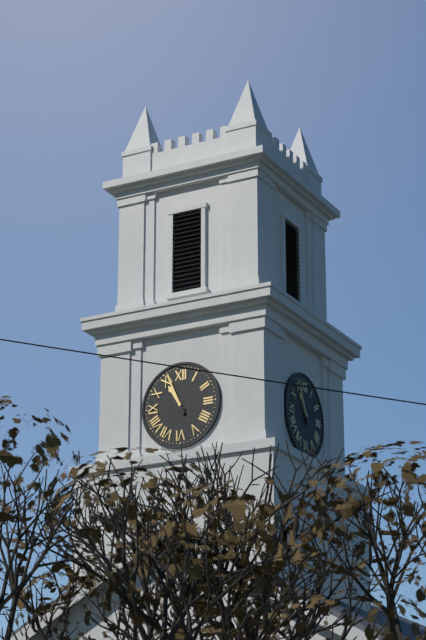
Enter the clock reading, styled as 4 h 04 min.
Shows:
10 h 56 min
